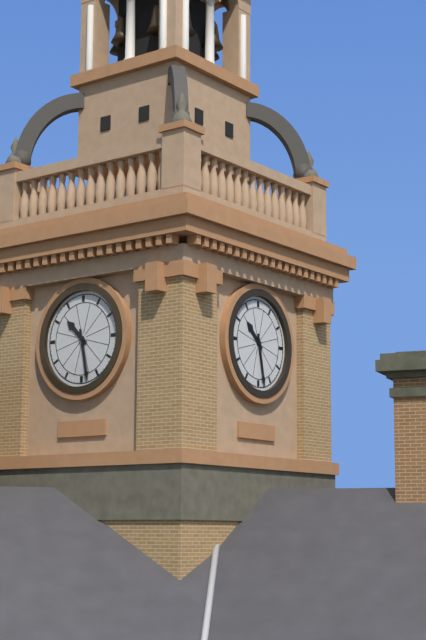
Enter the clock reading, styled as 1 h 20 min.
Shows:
10 h 28 min
